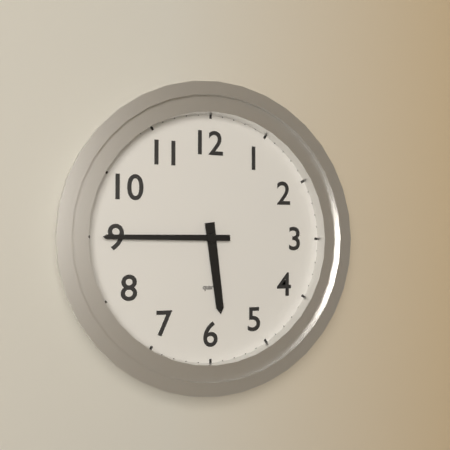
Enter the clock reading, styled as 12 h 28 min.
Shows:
5 h 45 min
